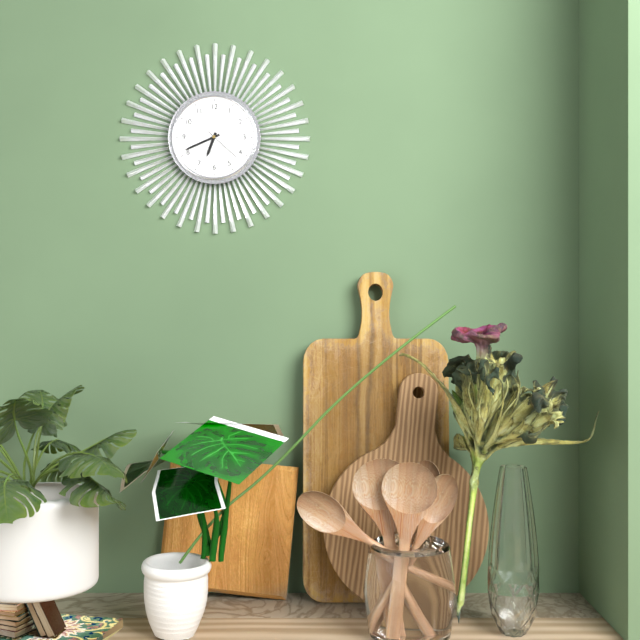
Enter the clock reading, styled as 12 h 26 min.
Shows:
6 h 41 min
